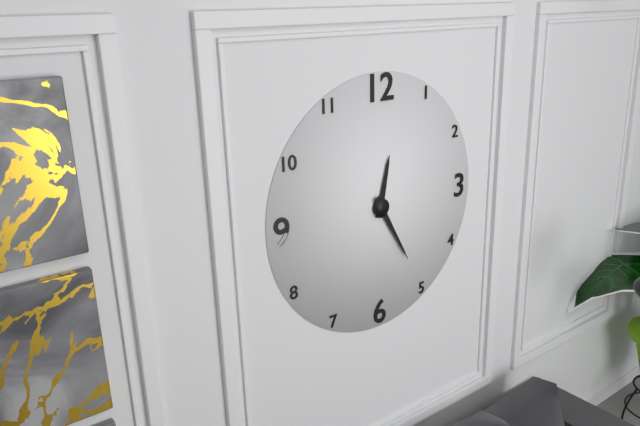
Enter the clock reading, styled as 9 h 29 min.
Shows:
12 h 25 min
